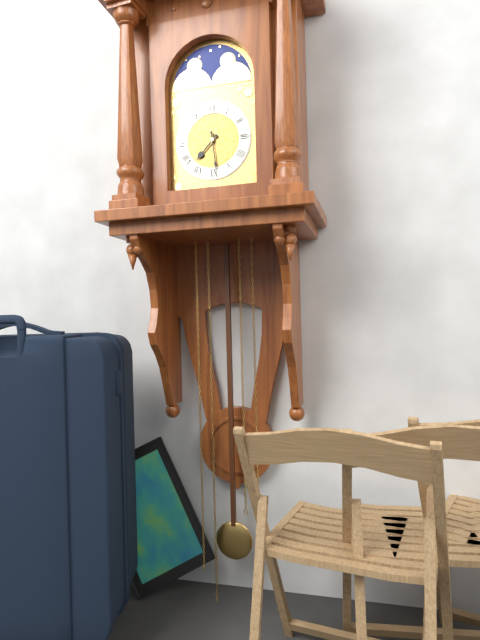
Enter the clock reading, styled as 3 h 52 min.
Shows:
7 h 29 min
